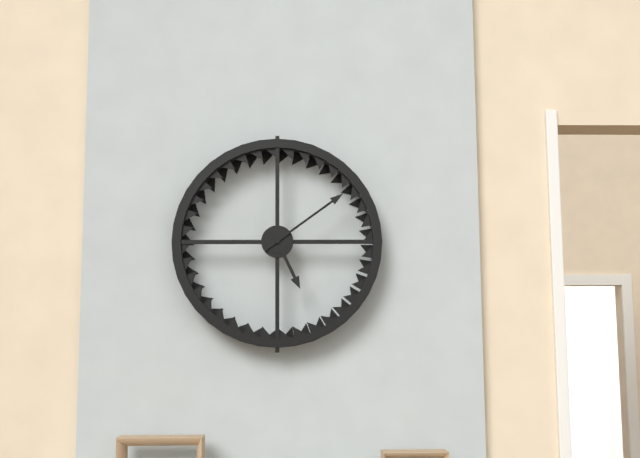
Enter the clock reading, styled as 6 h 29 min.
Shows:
5 h 09 min
